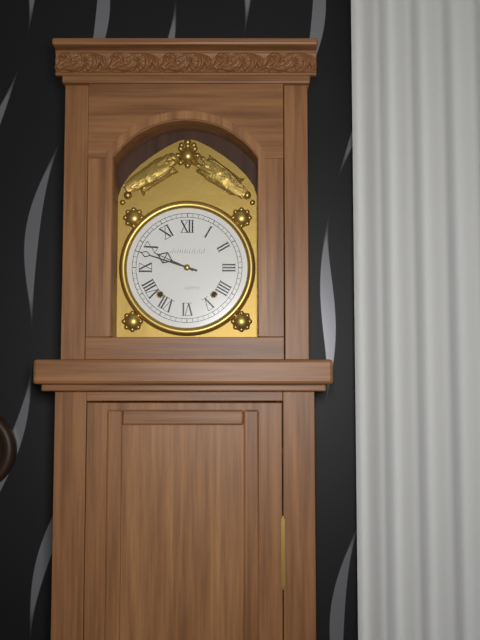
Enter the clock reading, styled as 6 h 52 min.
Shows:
9 h 48 min
